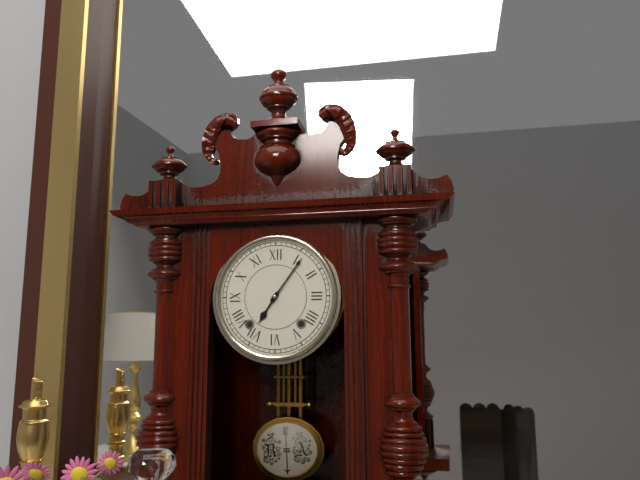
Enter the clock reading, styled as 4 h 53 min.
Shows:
7 h 06 min
